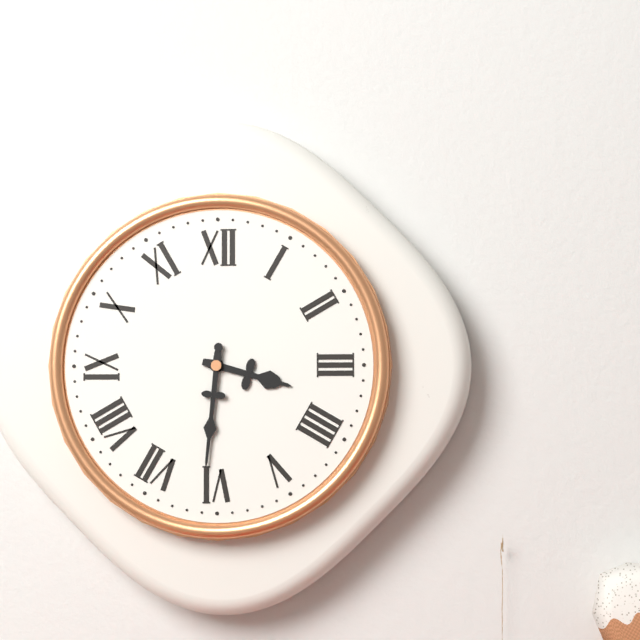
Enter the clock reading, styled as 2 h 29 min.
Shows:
3 h 31 min
